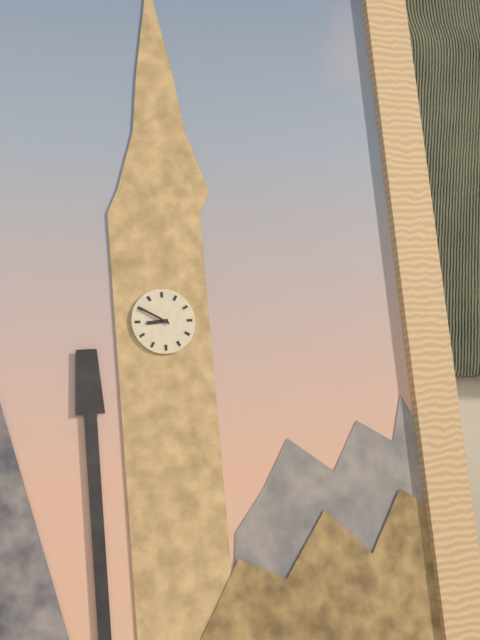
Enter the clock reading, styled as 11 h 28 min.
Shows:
8 h 50 min
